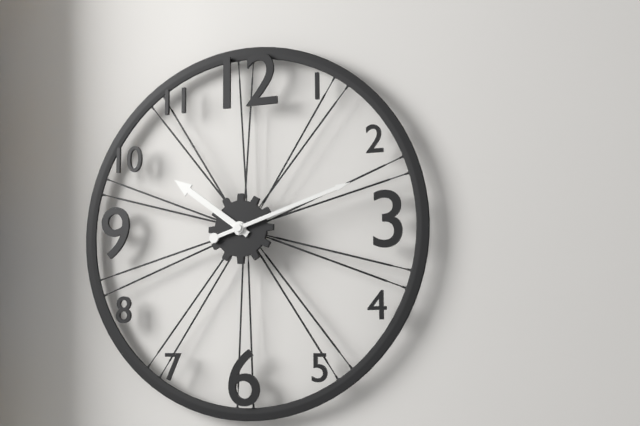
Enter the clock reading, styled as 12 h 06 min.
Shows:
10 h 12 min
